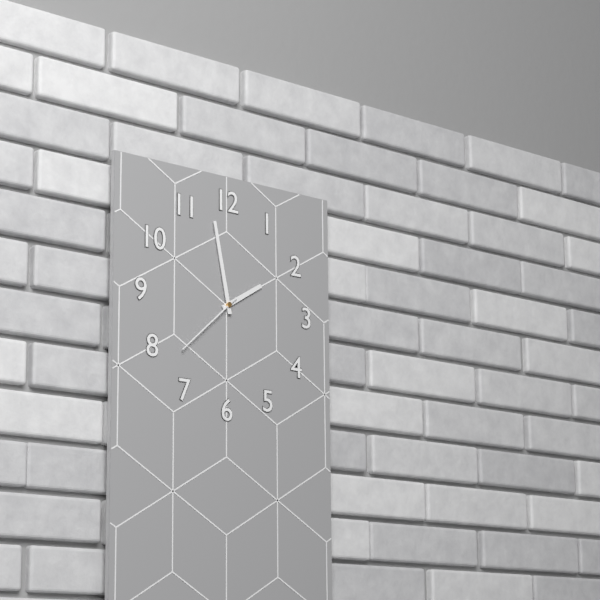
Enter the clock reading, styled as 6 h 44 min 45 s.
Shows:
1 h 58 min 38 s
